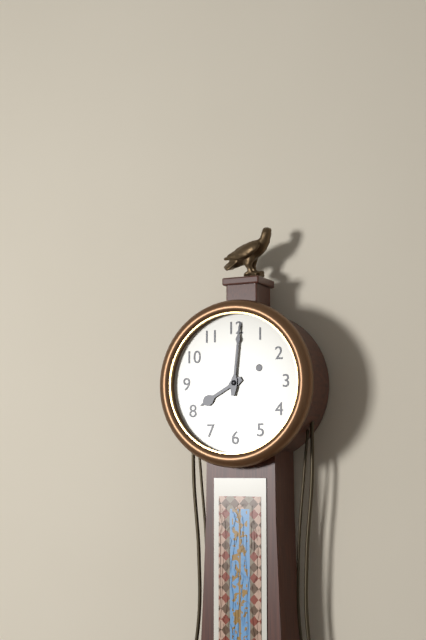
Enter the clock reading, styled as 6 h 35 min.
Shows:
8 h 01 min
